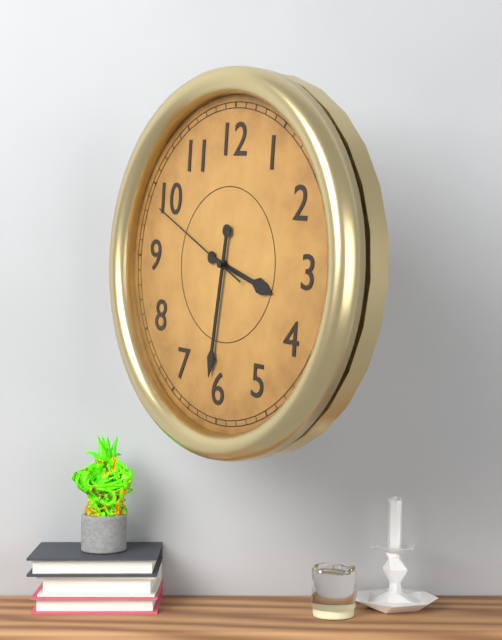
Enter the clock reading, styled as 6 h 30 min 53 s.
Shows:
3 h 31 min 49 s
